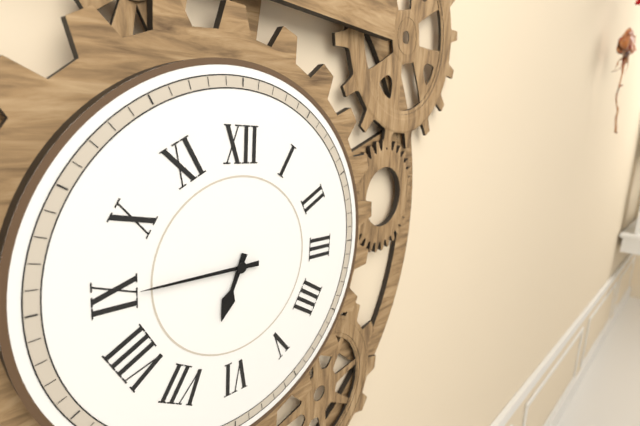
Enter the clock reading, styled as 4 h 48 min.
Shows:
6 h 45 min
